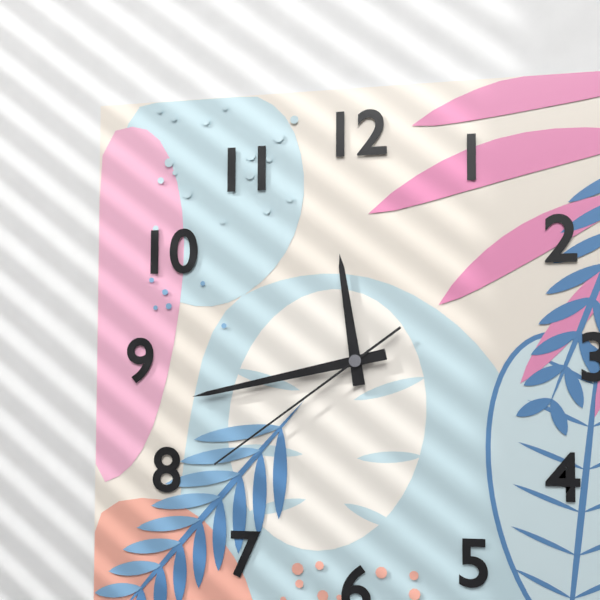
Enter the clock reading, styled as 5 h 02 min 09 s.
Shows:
11 h 43 min 39 s
